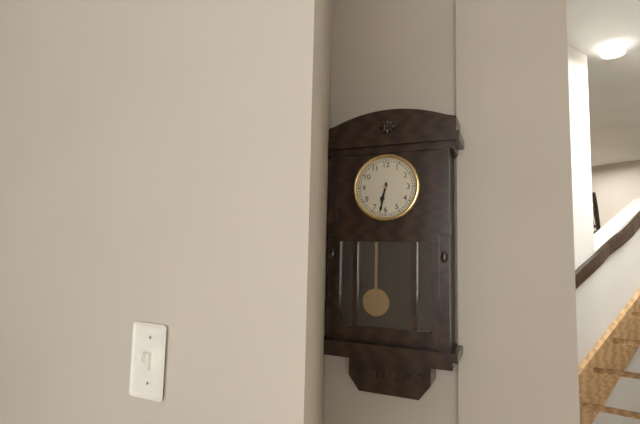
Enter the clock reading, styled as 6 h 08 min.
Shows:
6 h 32 min
